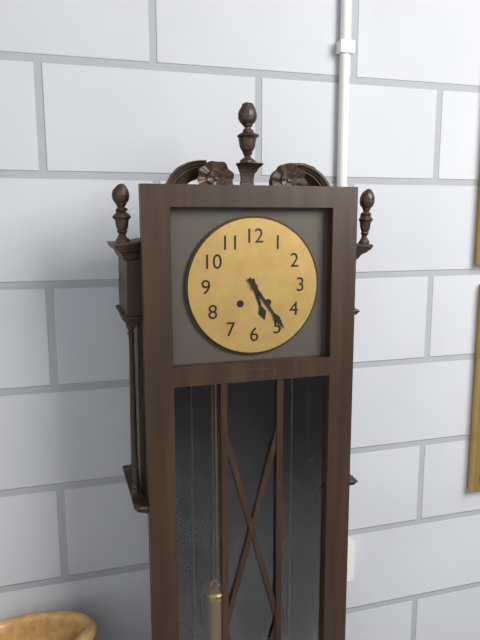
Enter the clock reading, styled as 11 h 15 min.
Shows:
5 h 24 min
